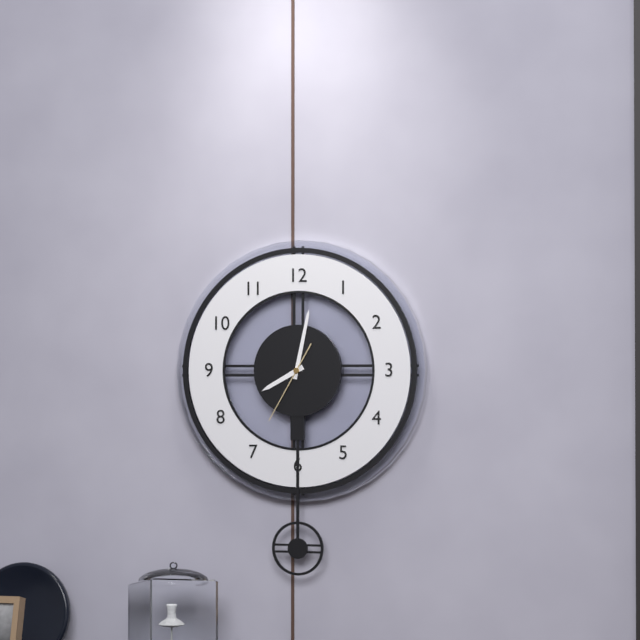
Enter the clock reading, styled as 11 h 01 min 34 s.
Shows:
8 h 02 min 35 s
